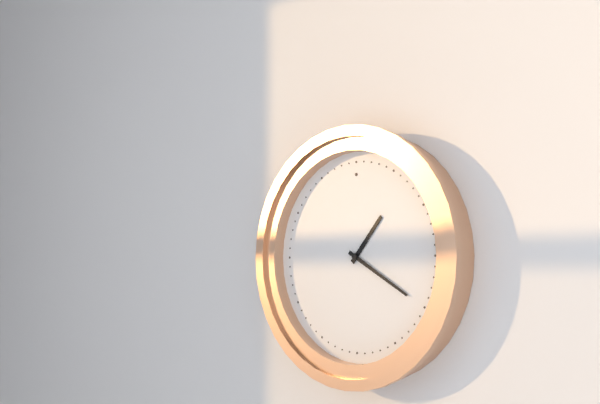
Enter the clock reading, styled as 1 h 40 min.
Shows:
1 h 20 min
